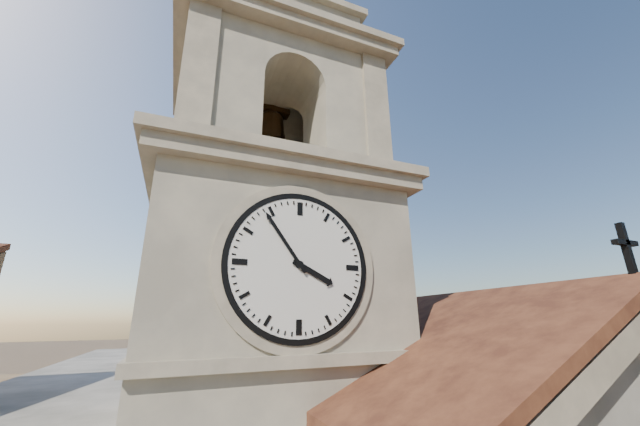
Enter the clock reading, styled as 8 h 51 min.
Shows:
3 h 54 min
